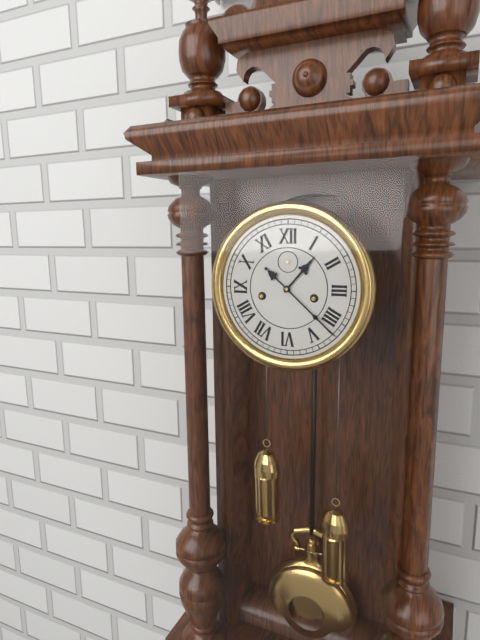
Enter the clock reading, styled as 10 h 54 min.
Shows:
1 h 22 min
